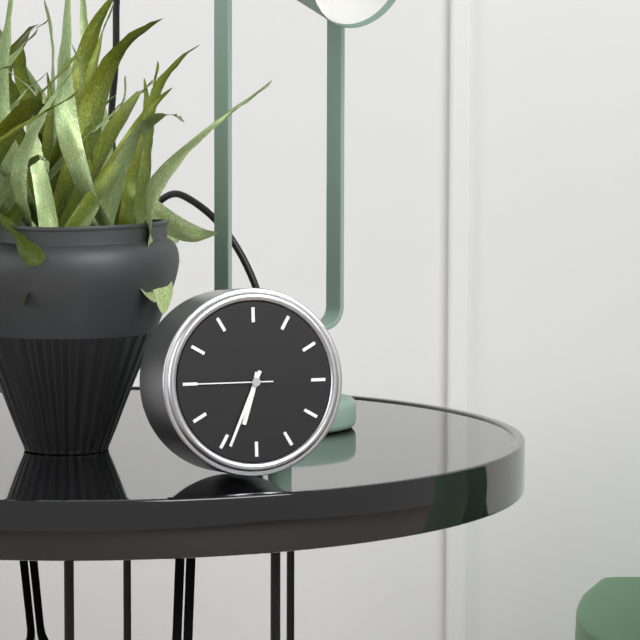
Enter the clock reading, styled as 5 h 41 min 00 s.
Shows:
6 h 34 min 45 s
